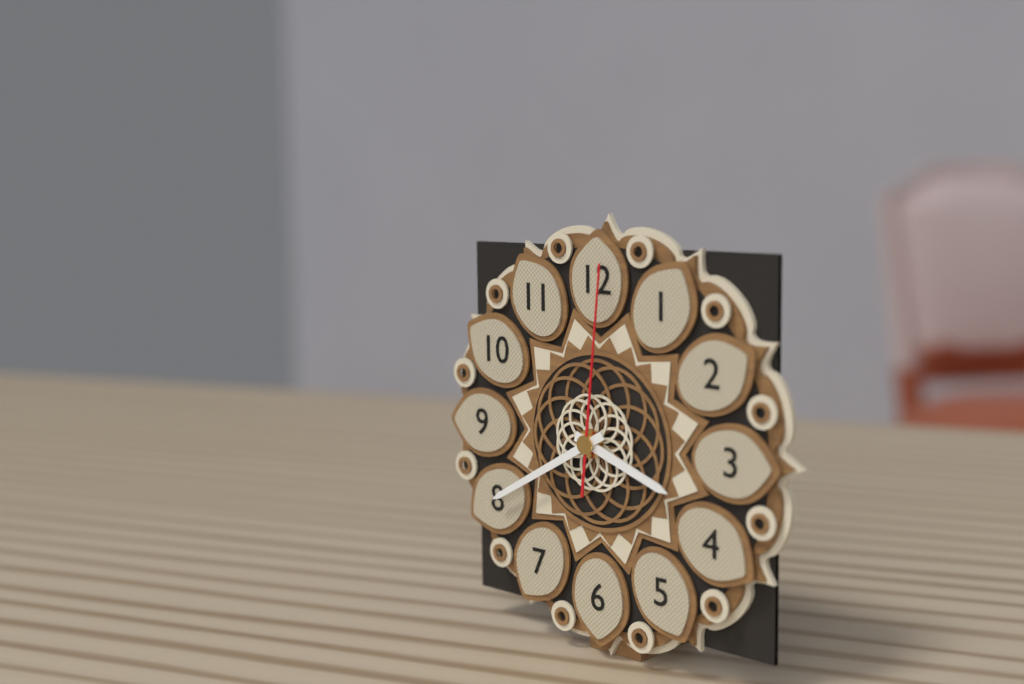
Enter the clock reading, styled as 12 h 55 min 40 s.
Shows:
3 h 40 min 01 s
